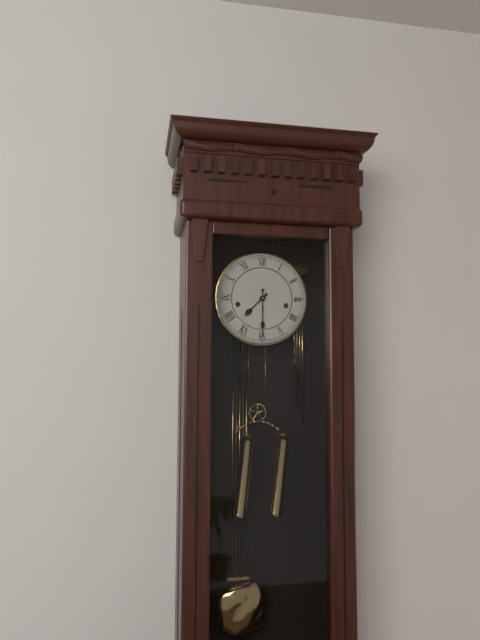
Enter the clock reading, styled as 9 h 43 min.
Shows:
7 h 30 min
